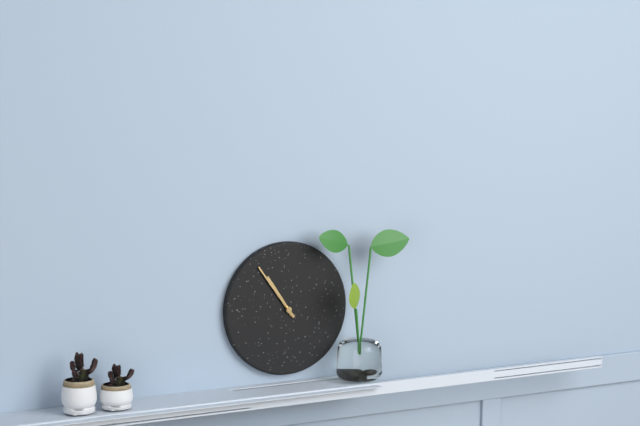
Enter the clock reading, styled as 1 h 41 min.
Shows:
10 h 54 min
